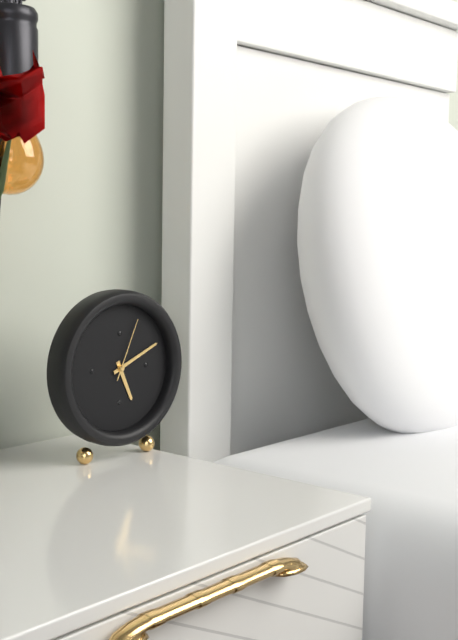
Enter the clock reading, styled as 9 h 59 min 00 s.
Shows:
5 h 11 min 04 s
